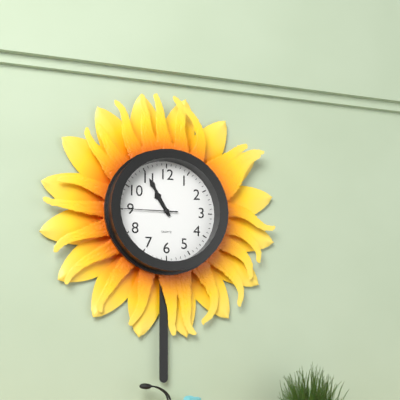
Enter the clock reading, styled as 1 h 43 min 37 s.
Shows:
10 h 55 min 45 s
